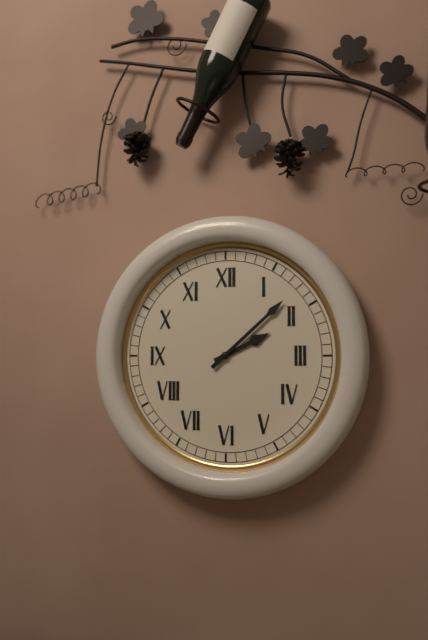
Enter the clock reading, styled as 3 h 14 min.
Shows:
2 h 08 min
